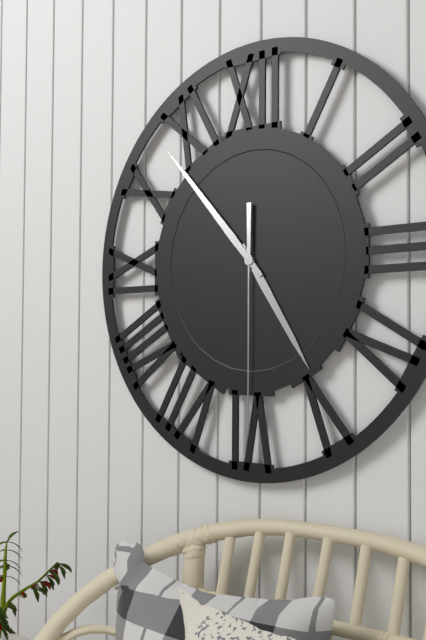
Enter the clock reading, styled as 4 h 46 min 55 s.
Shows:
4 h 53 min 30 s
